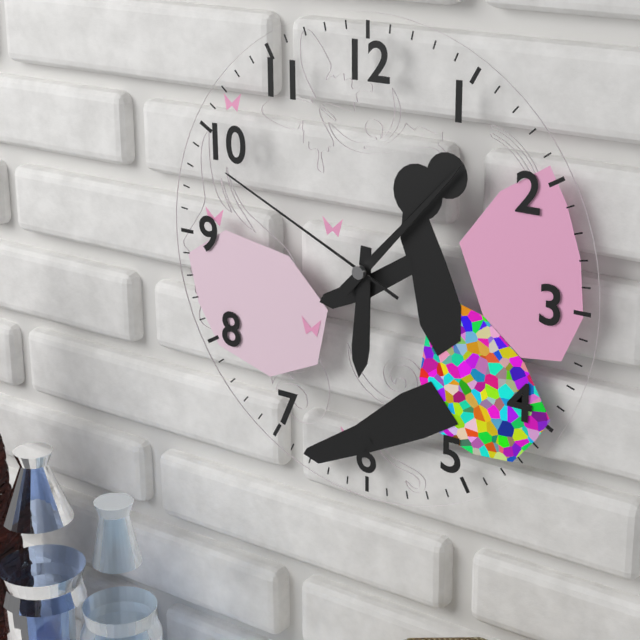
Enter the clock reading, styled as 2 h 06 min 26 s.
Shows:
6 h 07 min 49 s
